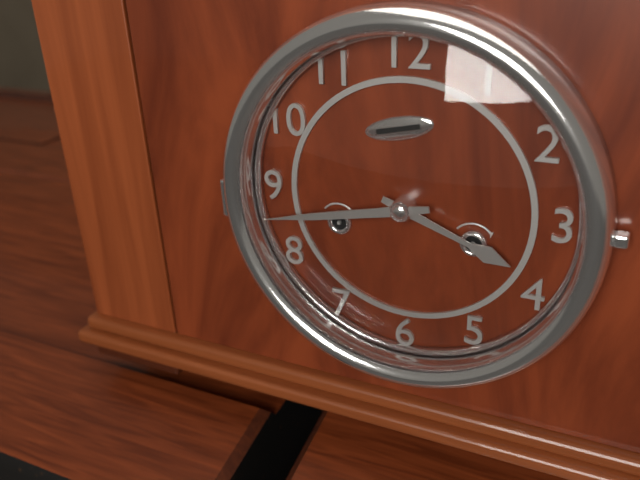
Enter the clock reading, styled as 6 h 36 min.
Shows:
3 h 43 min
